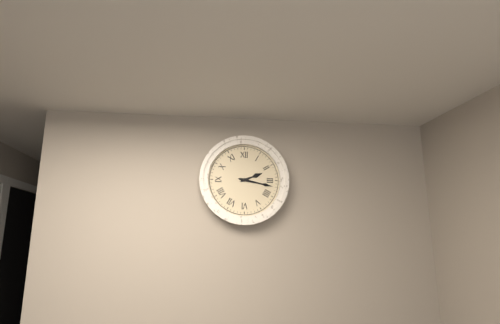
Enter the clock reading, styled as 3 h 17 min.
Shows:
2 h 17 min
